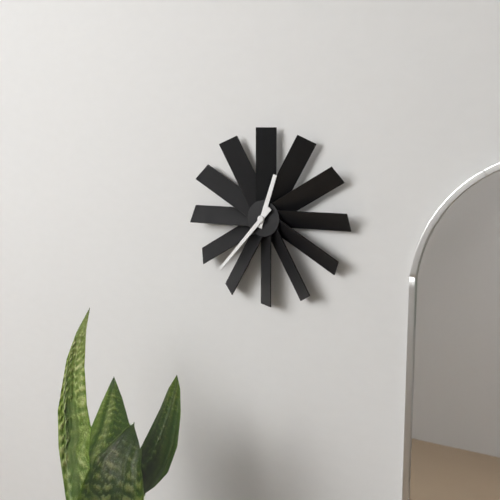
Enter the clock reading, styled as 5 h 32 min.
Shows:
12 h 37 min
